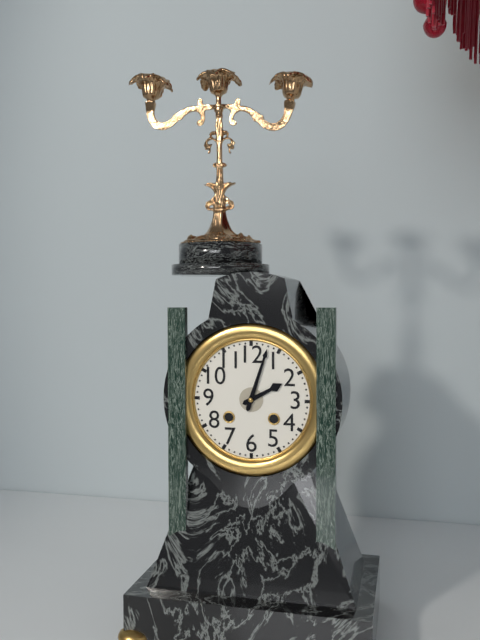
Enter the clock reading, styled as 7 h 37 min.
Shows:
2 h 03 min
